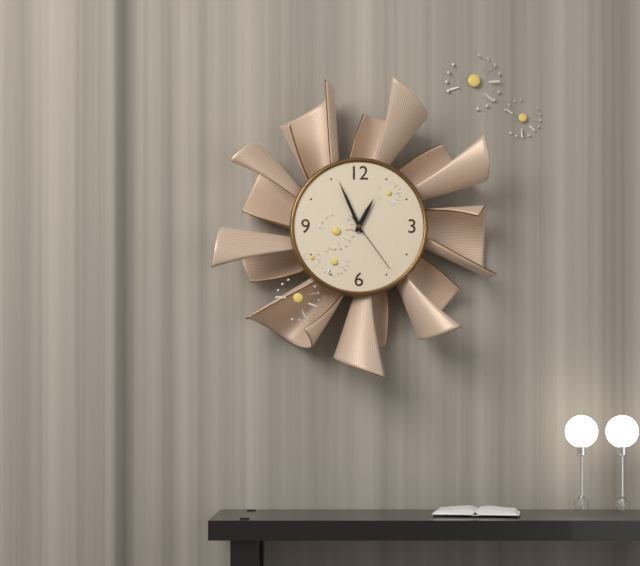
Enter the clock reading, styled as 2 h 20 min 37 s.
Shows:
12 h 56 min 24 s
